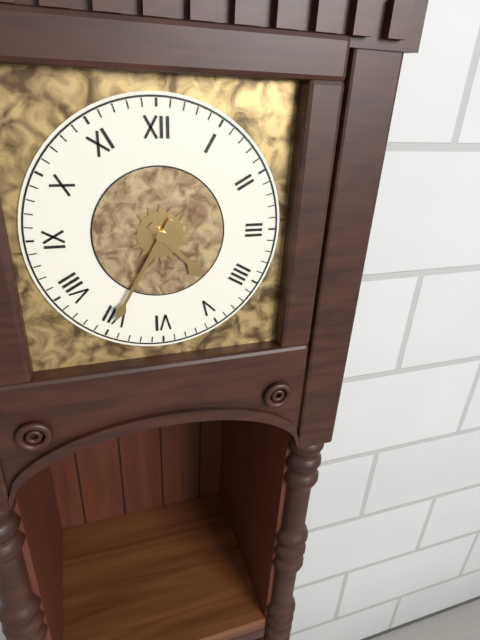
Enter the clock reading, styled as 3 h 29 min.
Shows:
4 h 35 min
